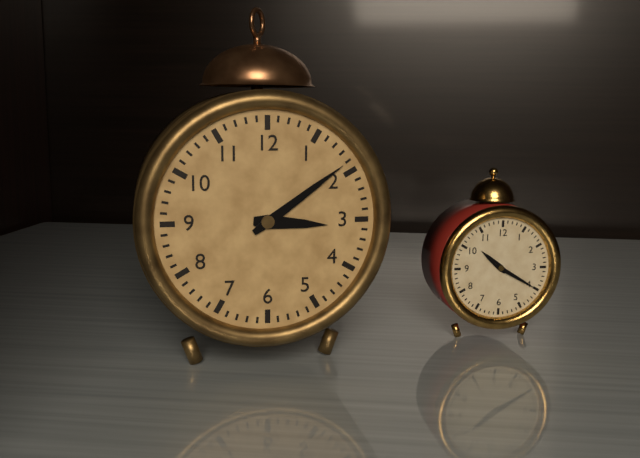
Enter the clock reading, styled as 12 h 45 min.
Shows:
3 h 09 min
